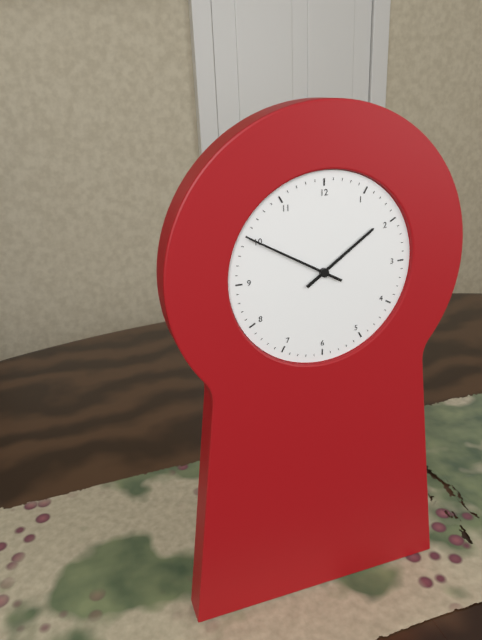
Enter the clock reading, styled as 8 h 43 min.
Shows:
1 h 50 min
